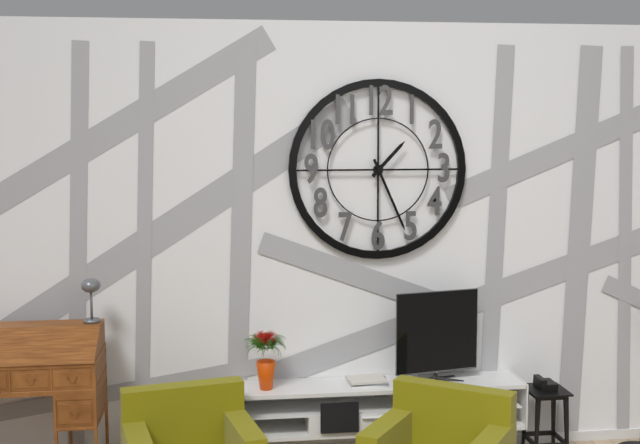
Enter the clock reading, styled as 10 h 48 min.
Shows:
1 h 26 min
